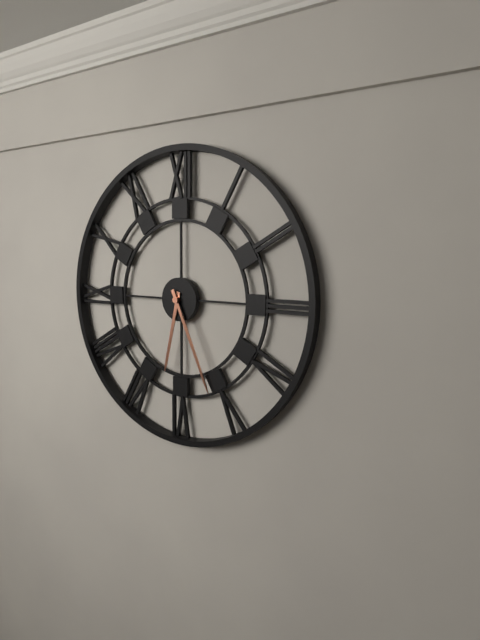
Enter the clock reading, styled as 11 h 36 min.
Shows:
6 h 26 min
